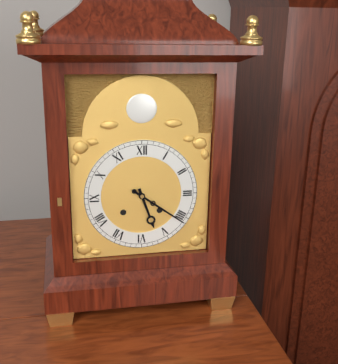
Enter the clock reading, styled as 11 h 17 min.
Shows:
5 h 21 min
